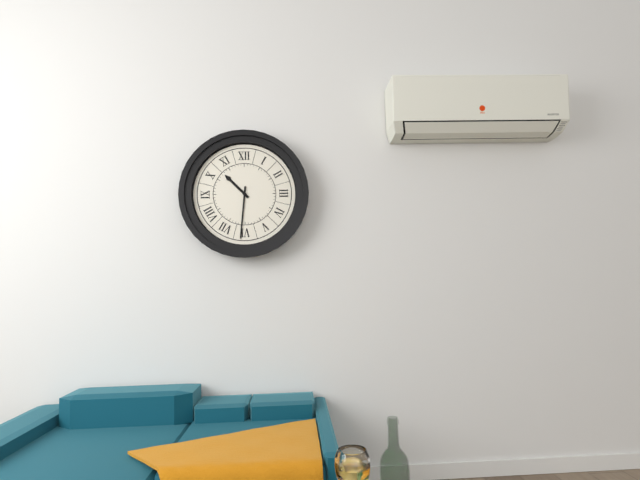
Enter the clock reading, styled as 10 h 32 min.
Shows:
10 h 31 min
